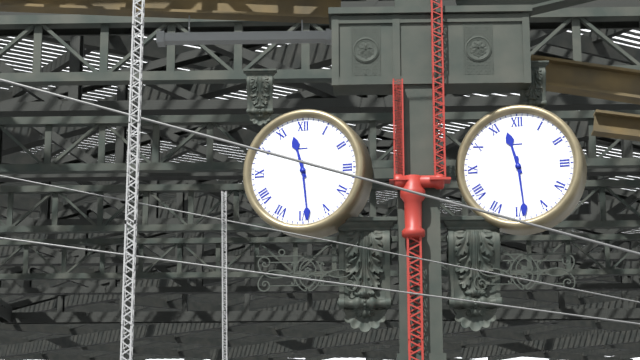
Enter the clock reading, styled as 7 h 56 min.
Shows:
11 h 29 min
